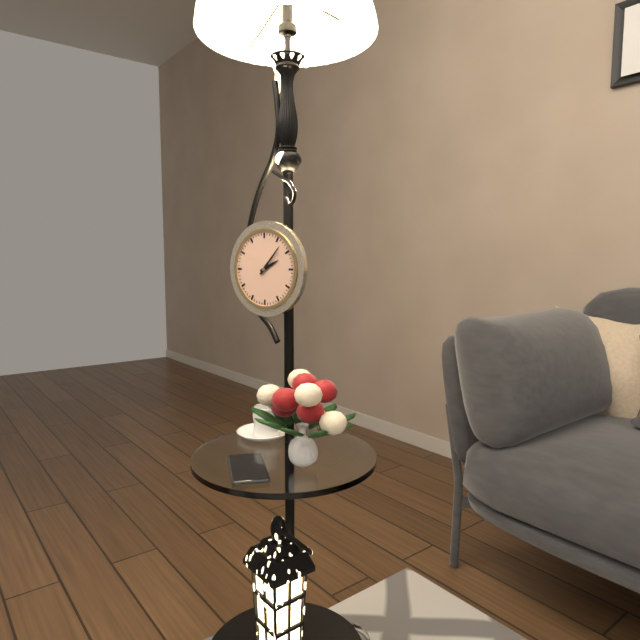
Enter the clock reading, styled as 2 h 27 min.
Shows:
2 h 07 min
